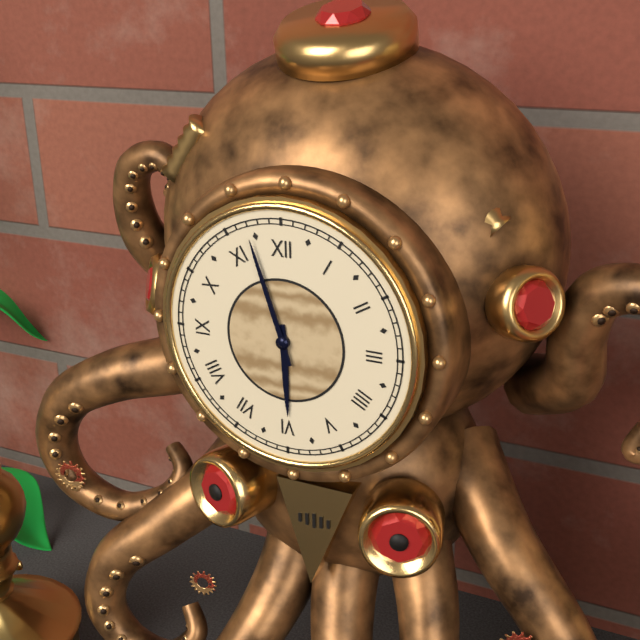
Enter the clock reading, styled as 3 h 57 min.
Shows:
5 h 57 min
